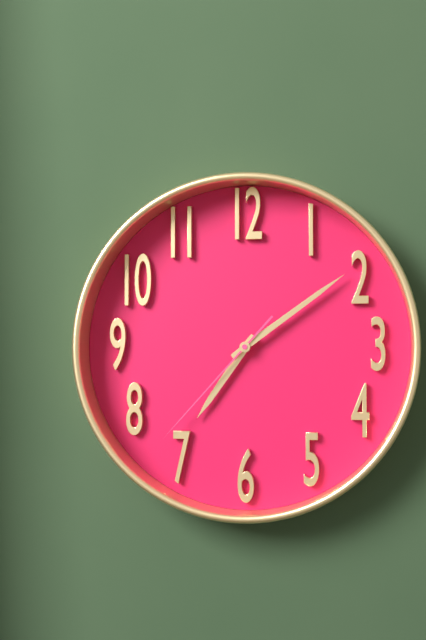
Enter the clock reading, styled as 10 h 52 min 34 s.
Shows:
7 h 09 min 37 s
